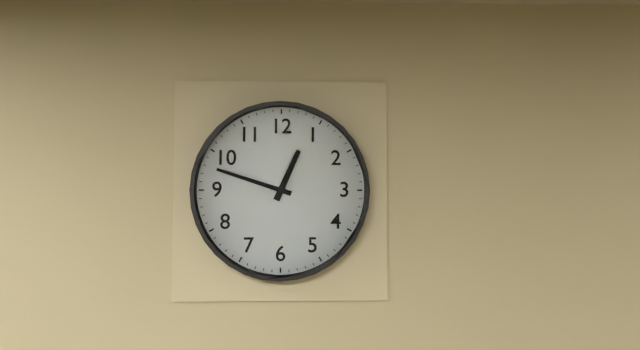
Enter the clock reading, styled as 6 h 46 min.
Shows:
12 h 48 min
